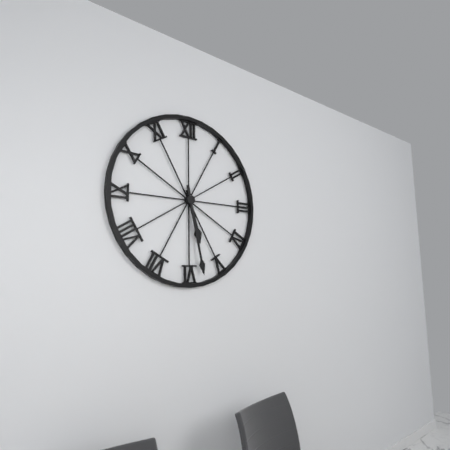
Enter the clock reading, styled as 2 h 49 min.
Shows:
5 h 28 min
